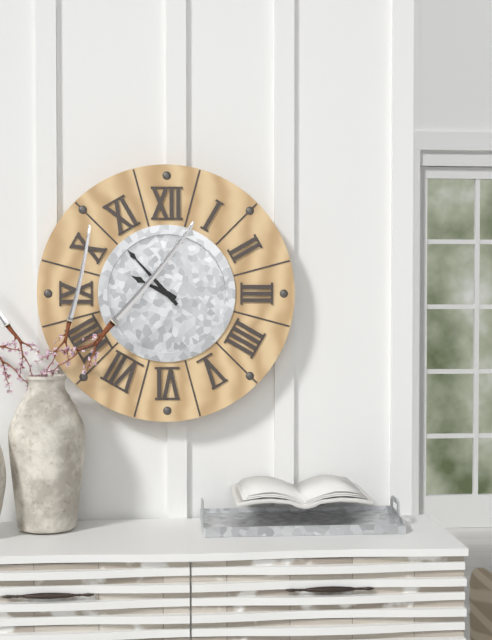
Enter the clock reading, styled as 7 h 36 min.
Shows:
9 h 53 min
